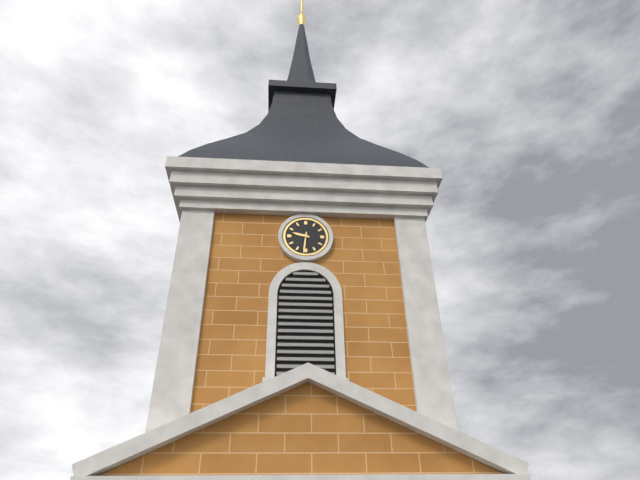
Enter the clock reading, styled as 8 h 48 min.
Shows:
9 h 31 min
